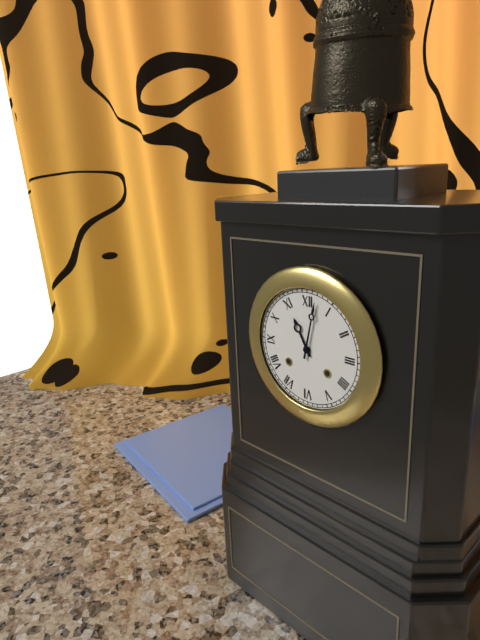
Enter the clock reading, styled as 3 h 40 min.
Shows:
11 h 02 min
